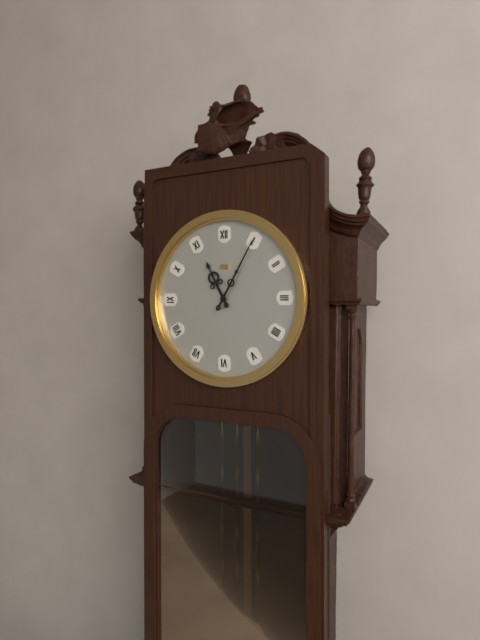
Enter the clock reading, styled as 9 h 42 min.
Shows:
11 h 05 min
